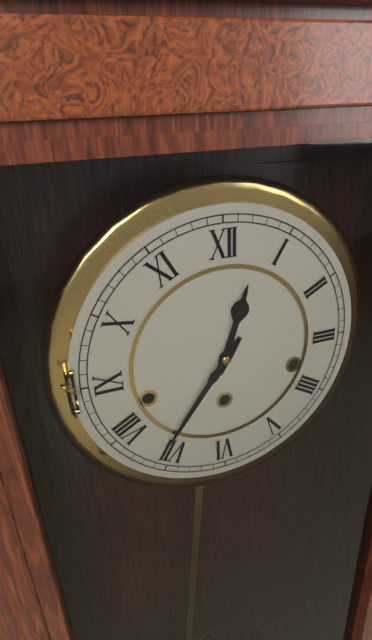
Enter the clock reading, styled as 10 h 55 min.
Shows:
12 h 36 min
